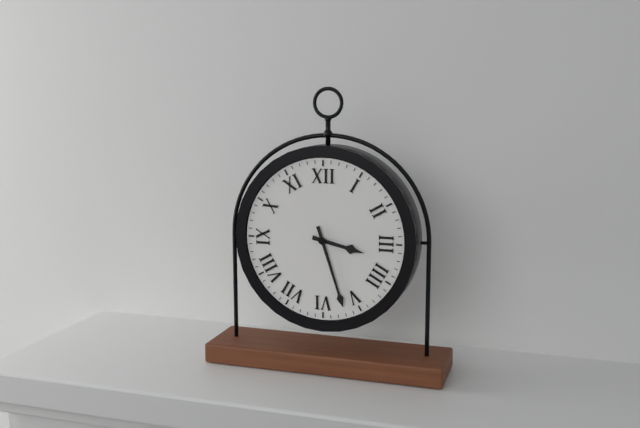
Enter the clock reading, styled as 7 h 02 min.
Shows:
3 h 27 min
